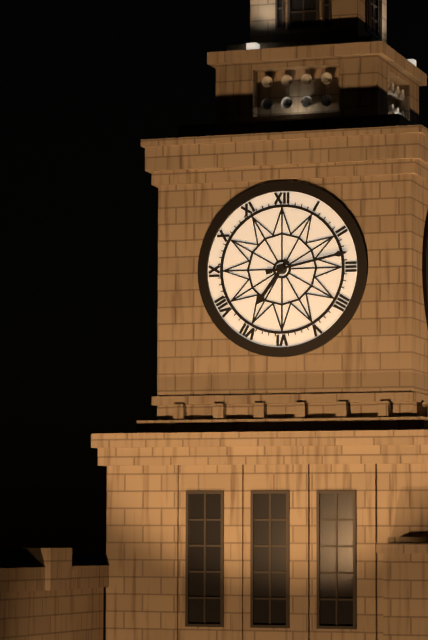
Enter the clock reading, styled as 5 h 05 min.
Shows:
7 h 13 min
